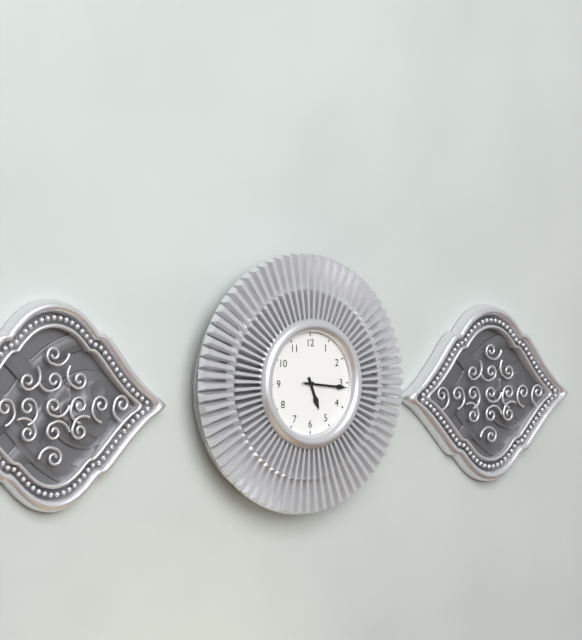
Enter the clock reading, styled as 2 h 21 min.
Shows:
5 h 16 min
